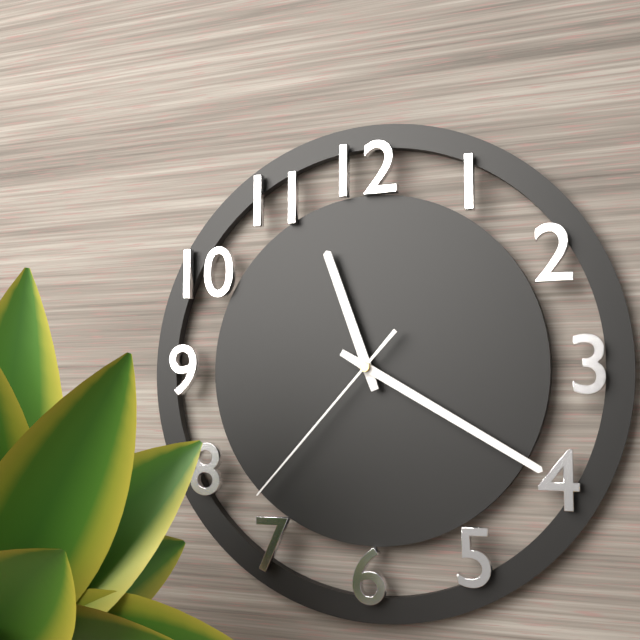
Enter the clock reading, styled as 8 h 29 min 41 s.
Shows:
11 h 20 min 37 s
